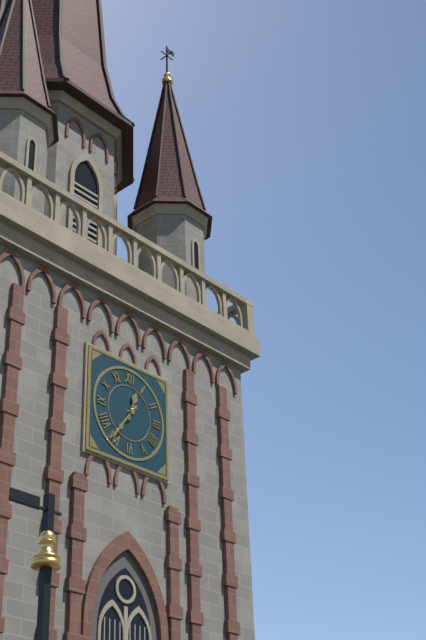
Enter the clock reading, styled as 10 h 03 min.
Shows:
12 h 36 min
